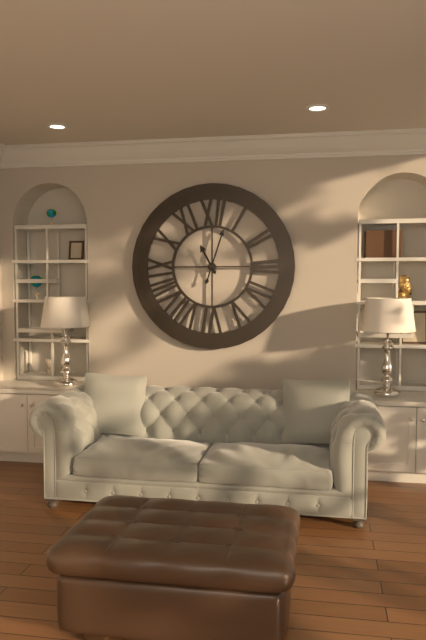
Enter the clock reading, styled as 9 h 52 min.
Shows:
11 h 03 min
